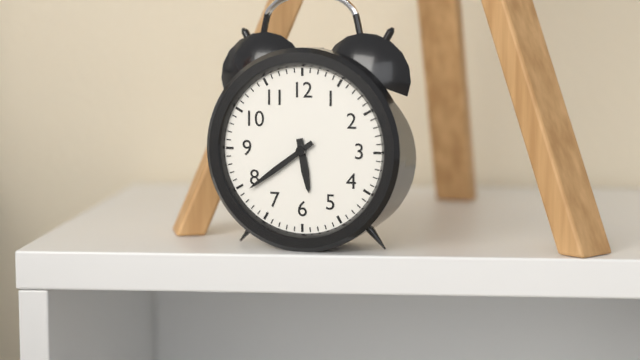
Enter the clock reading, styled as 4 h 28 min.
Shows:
5 h 39 min
